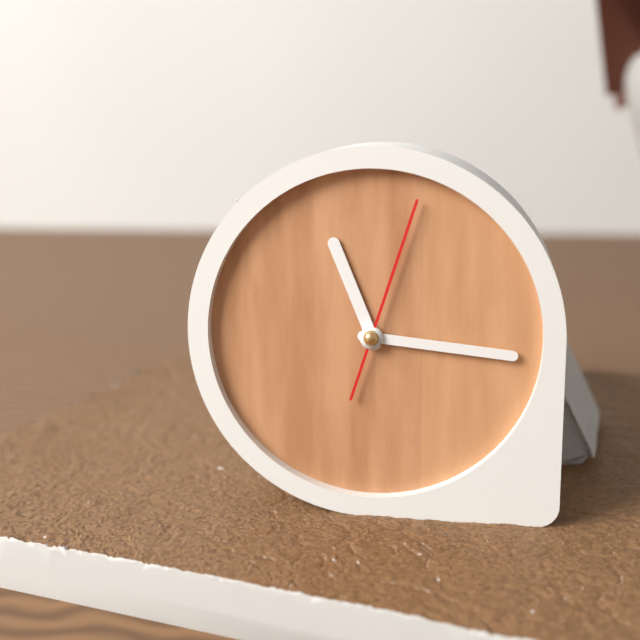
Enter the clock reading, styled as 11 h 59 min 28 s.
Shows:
11 h 16 min 03 s
